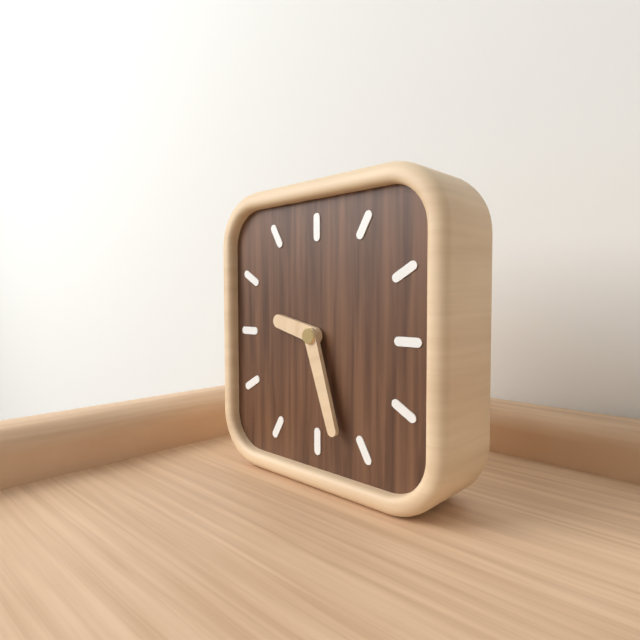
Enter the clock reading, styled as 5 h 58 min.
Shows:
9 h 27 min
